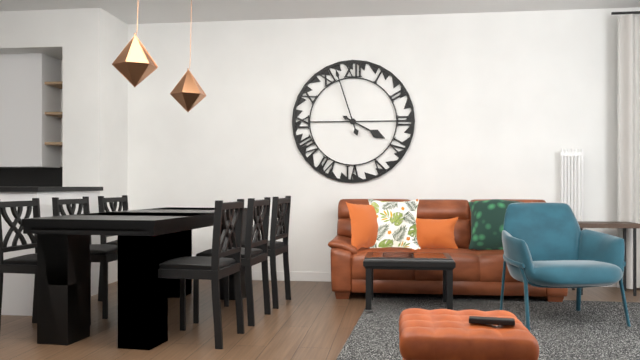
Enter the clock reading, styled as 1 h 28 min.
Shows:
3 h 57 min
